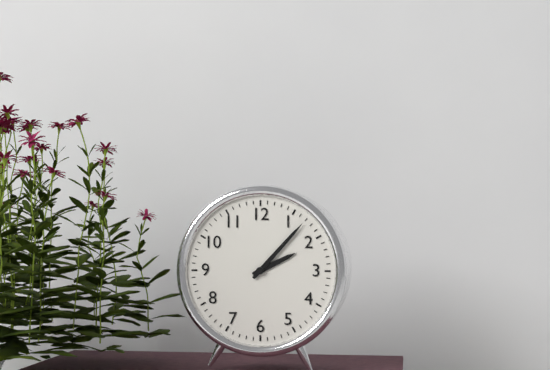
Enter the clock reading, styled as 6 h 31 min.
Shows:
2 h 07 min
